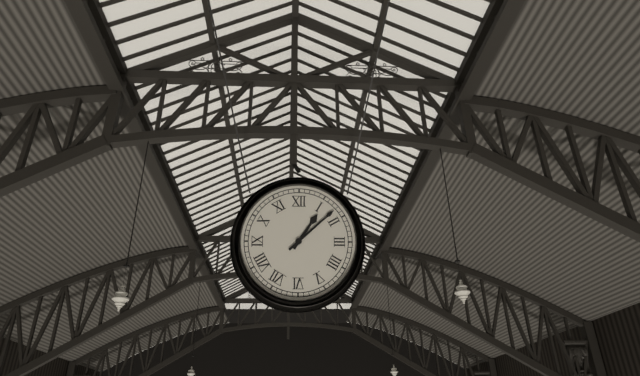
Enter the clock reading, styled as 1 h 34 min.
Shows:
1 h 08 min
